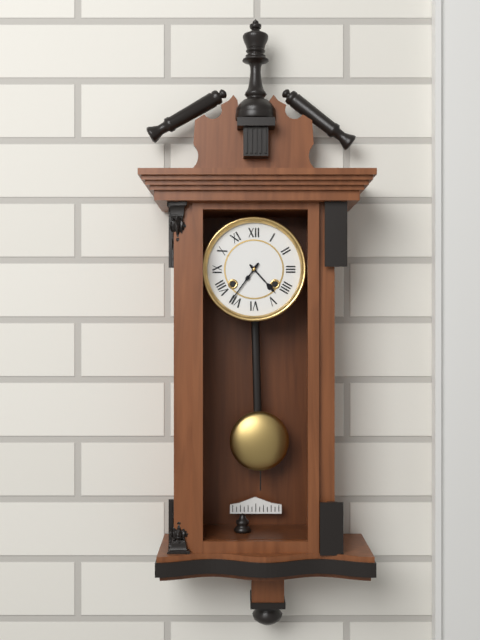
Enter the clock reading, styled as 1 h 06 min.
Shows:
4 h 36 min
